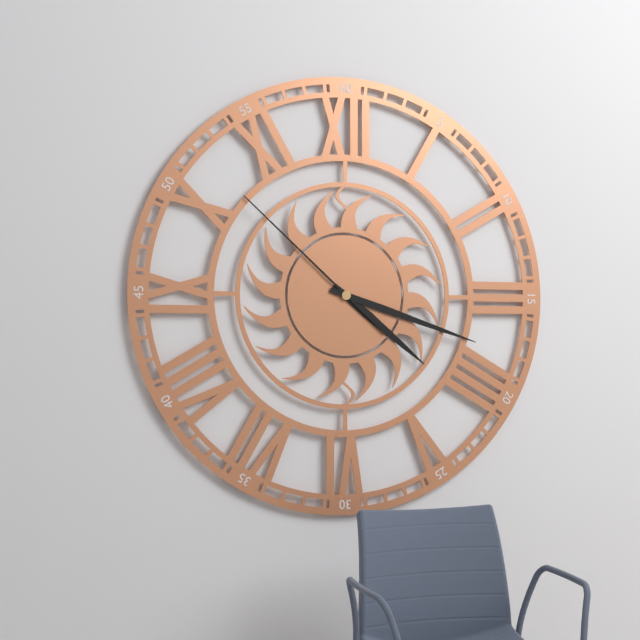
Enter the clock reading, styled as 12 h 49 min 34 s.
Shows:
4 h 18 min 52 s
